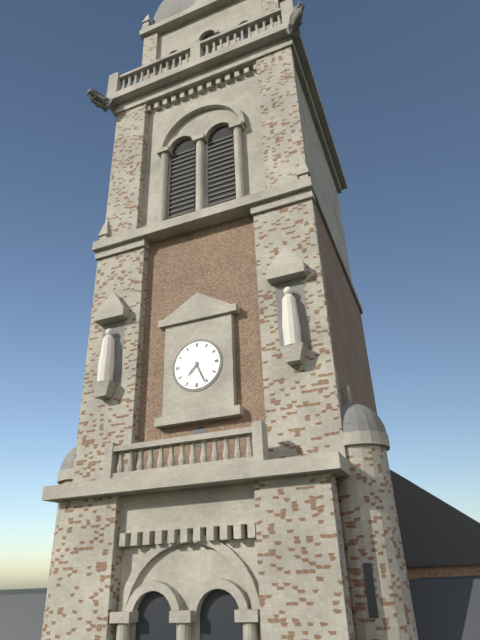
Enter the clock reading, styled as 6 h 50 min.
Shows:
7 h 26 min
